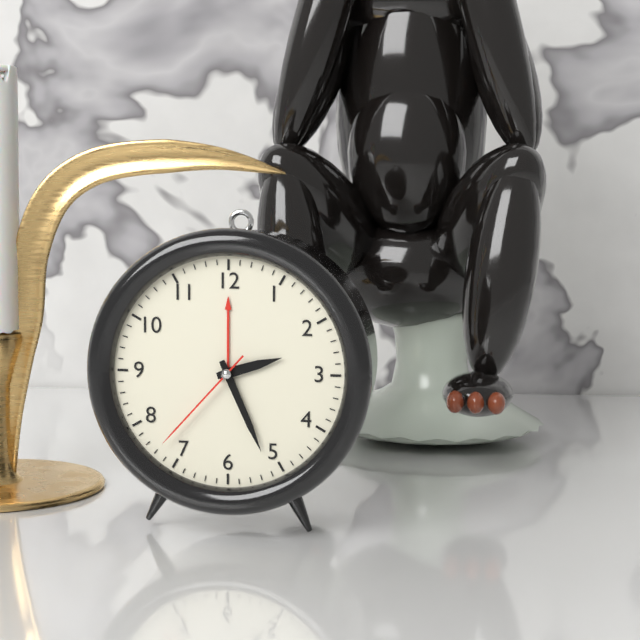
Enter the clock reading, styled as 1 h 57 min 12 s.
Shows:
2 h 26 min 37 s
